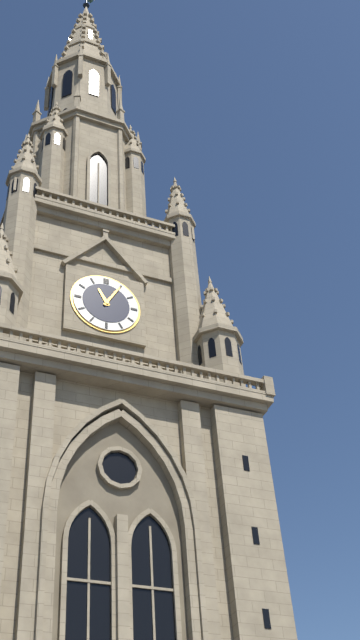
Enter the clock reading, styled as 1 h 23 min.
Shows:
11 h 05 min
